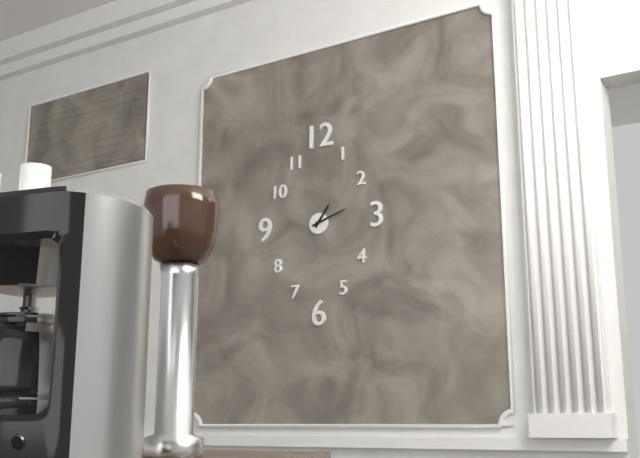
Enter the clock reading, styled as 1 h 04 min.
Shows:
1 h 12 min
